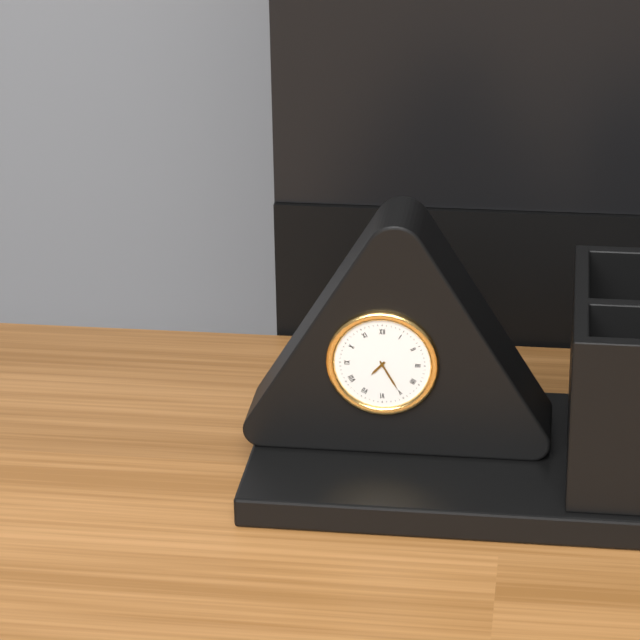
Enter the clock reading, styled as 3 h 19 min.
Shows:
7 h 25 min
